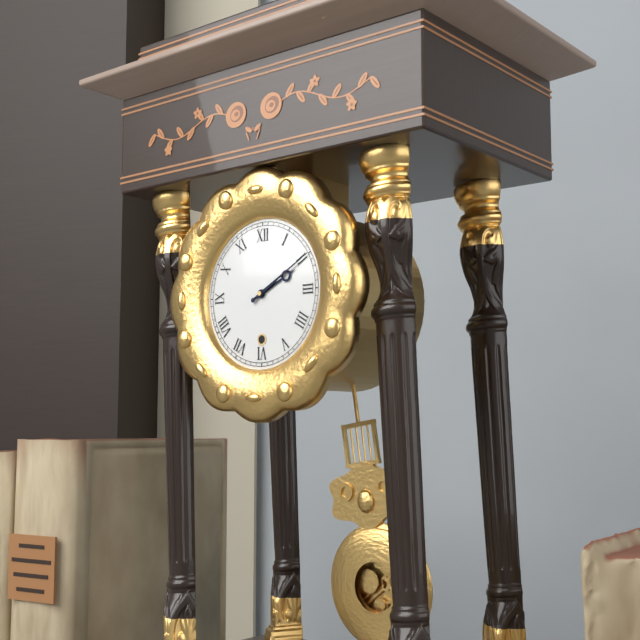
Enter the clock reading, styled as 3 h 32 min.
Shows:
2 h 10 min
